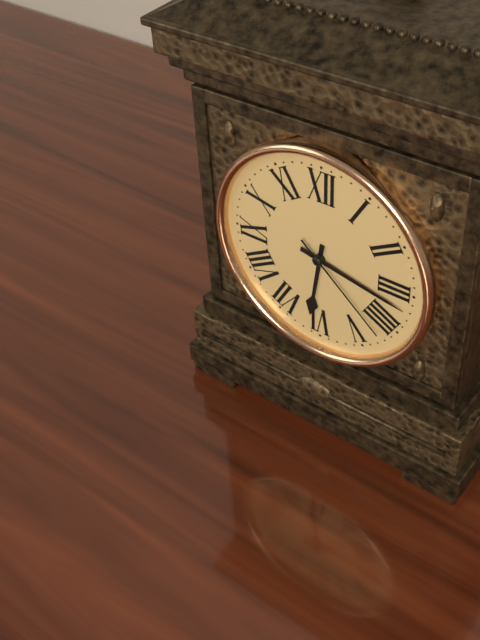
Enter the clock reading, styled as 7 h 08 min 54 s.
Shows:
6 h 17 min 22 s
